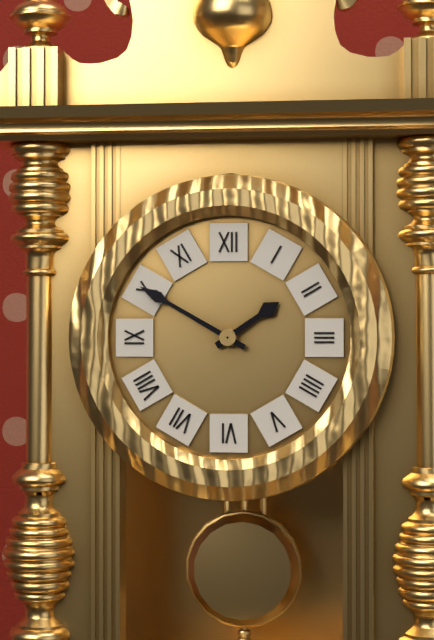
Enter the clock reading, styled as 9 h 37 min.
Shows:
1 h 50 min
